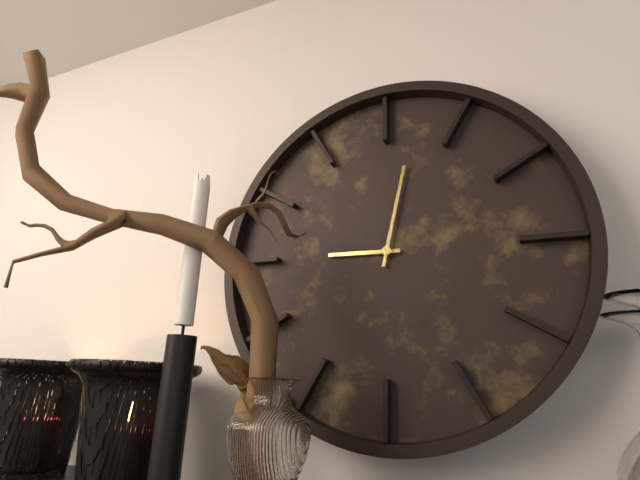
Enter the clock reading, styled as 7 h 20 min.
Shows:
9 h 02 min
